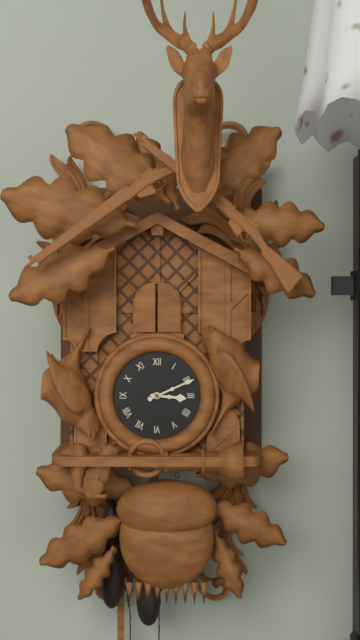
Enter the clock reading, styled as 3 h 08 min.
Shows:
3 h 11 min
